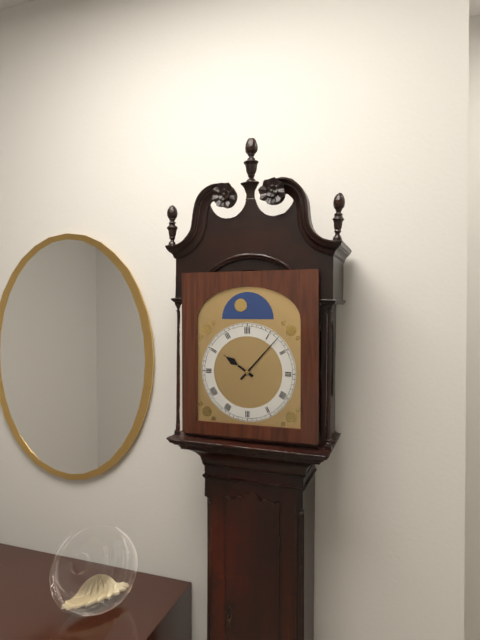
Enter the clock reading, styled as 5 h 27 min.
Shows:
10 h 07 min
